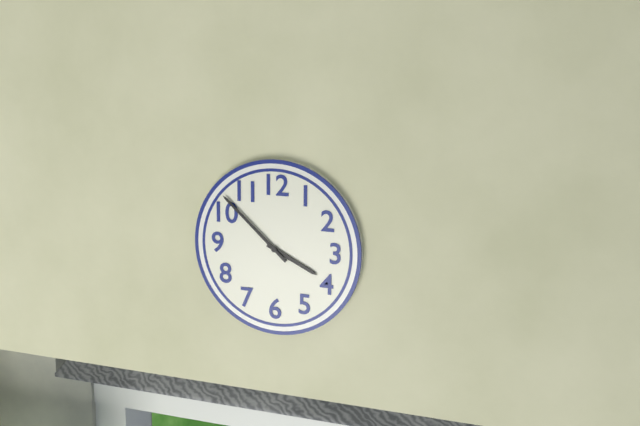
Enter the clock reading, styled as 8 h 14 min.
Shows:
3 h 52 min
